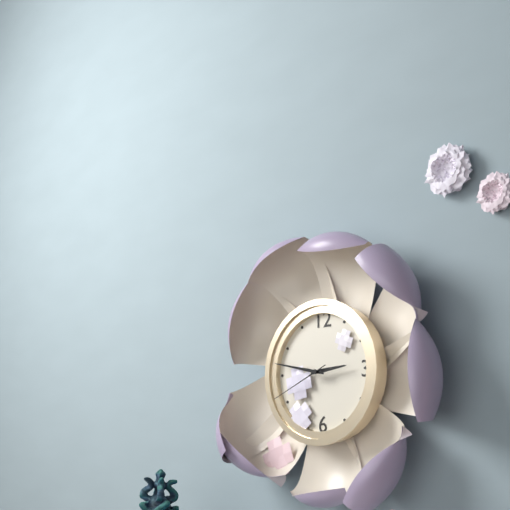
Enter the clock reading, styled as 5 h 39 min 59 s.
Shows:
2 h 47 min 41 s
